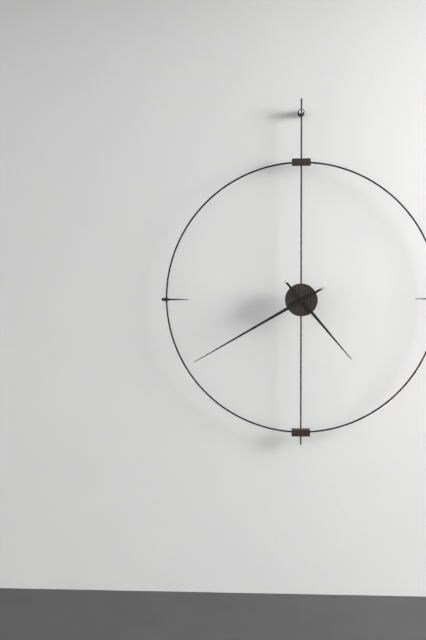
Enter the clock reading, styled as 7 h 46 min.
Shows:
4 h 40 min
